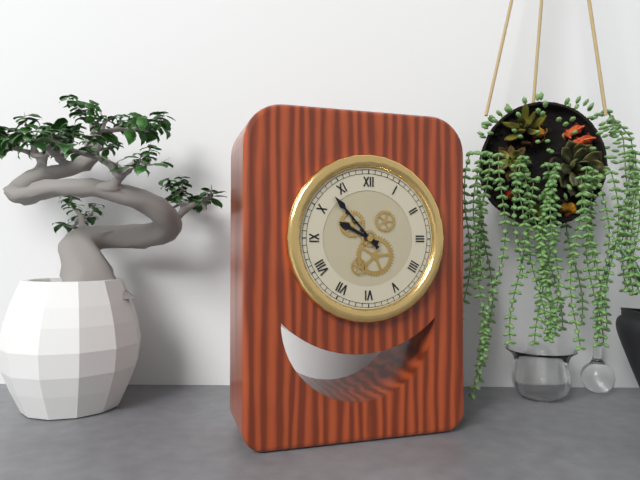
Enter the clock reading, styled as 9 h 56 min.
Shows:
9 h 53 min
